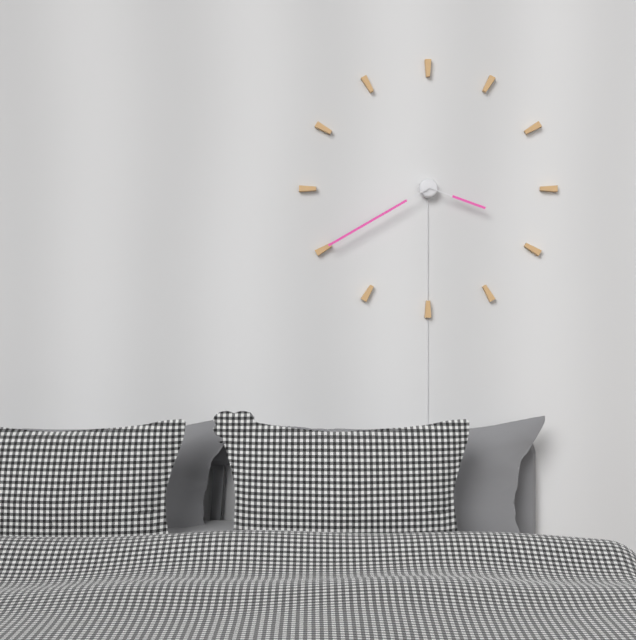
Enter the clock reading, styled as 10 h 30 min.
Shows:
3 h 40 min
